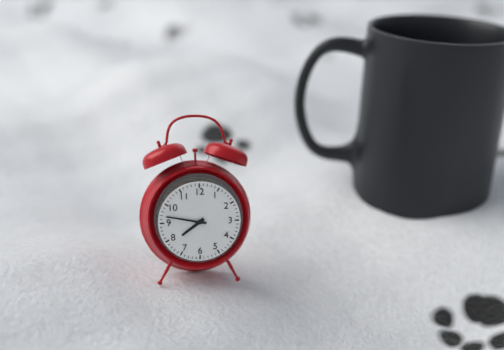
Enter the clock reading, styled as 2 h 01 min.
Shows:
7 h 47 min
